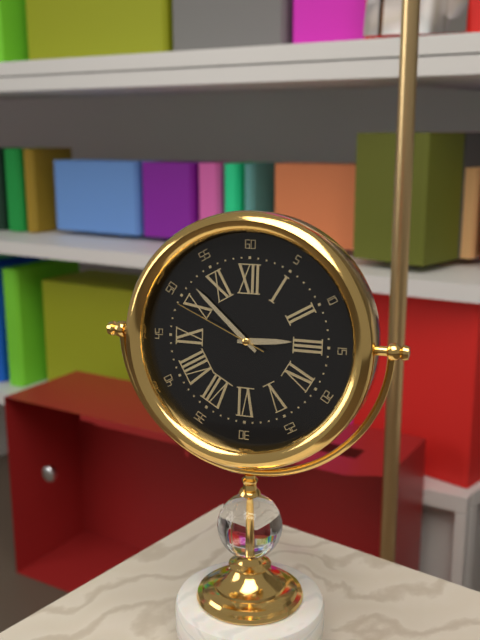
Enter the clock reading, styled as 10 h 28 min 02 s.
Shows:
2 h 52 min 49 s
